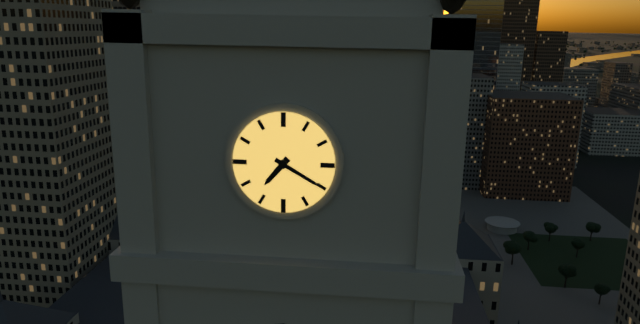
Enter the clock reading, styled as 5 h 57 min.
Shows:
7 h 20 min
